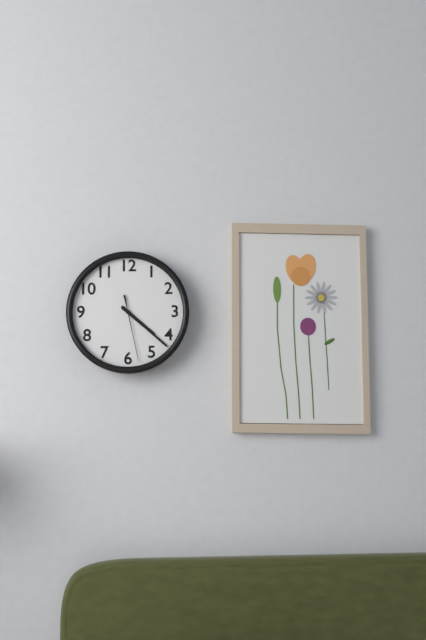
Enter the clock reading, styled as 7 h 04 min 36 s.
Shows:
4 h 22 min 28 s
